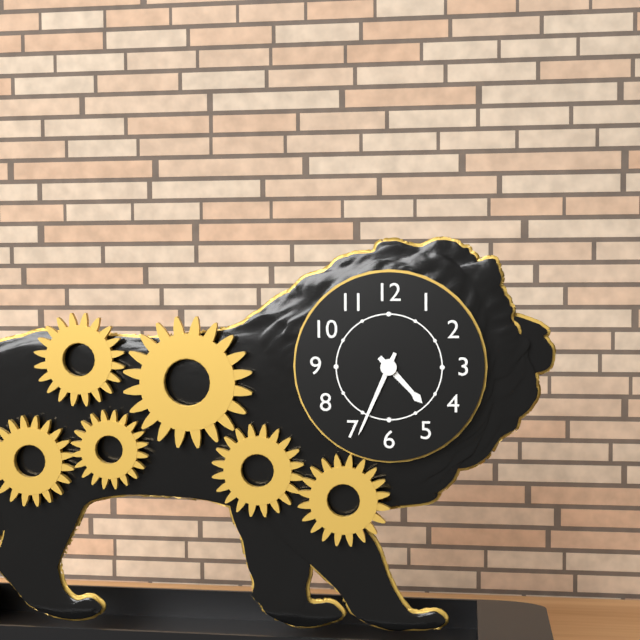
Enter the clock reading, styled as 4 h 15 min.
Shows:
4 h 34 min
